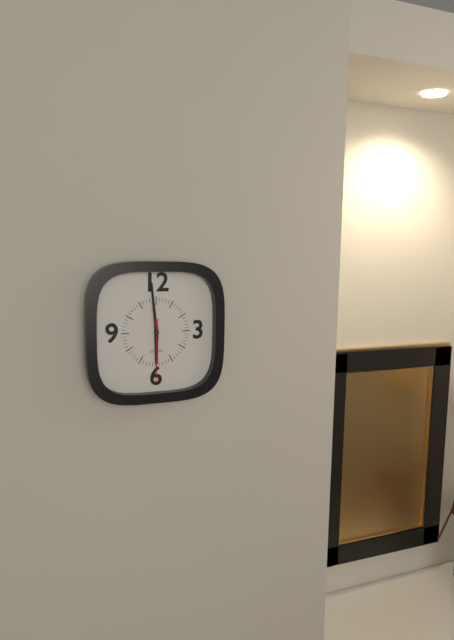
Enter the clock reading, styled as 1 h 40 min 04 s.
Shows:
5 h 59 min 30 s
